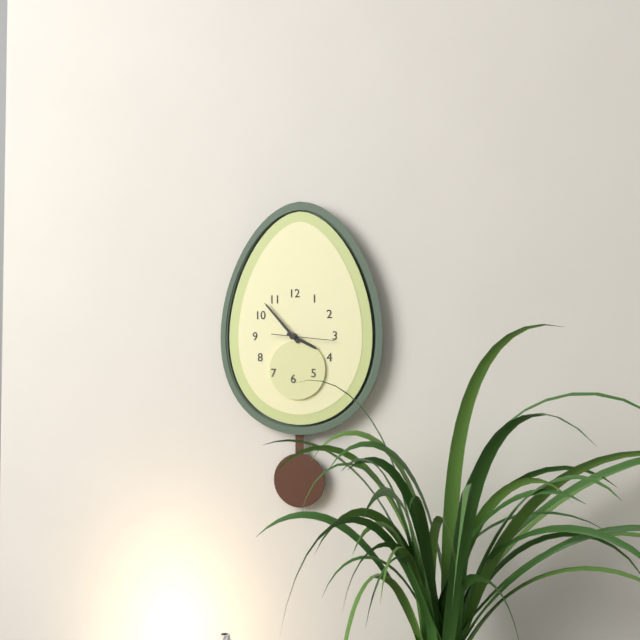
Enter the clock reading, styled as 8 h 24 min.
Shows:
3 h 53 min
